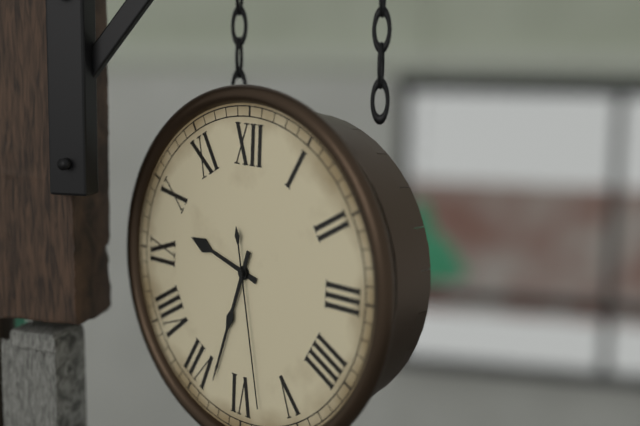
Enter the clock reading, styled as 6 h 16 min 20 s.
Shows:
9 h 33 min 28 s
